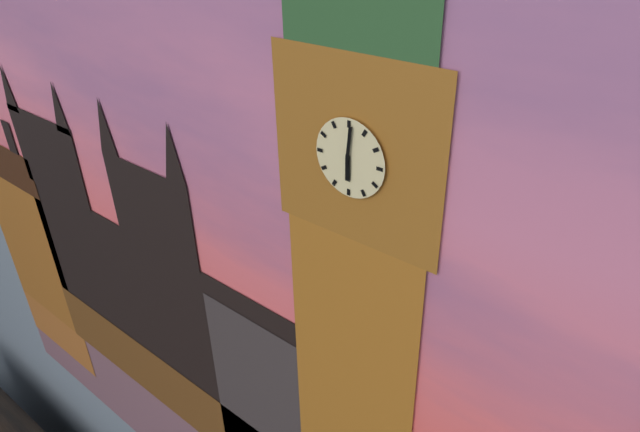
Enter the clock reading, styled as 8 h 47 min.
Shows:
6 h 01 min
